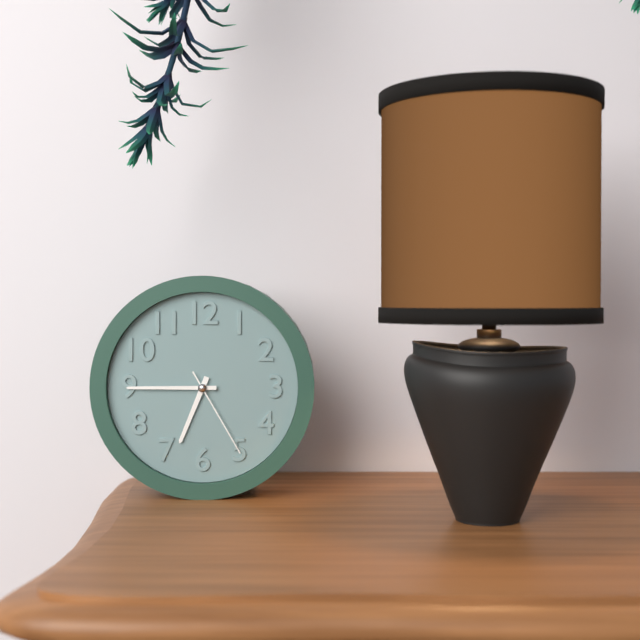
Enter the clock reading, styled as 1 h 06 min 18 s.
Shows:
6 h 45 min 25 s
